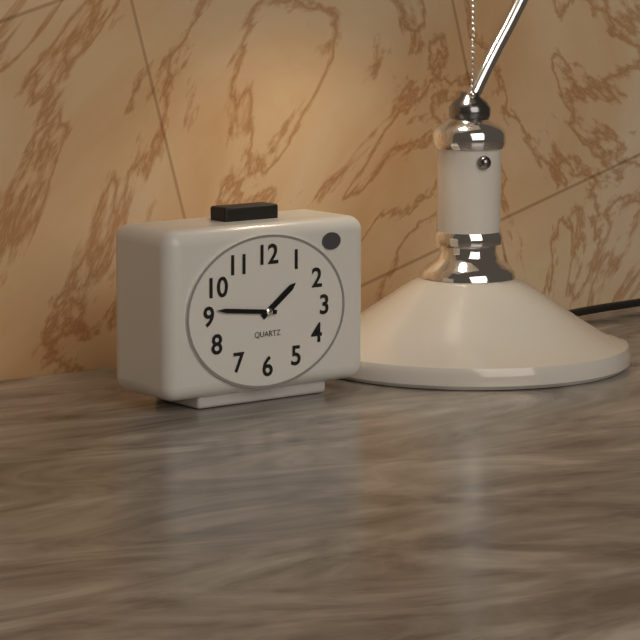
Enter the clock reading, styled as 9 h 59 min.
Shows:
1 h 46 min
